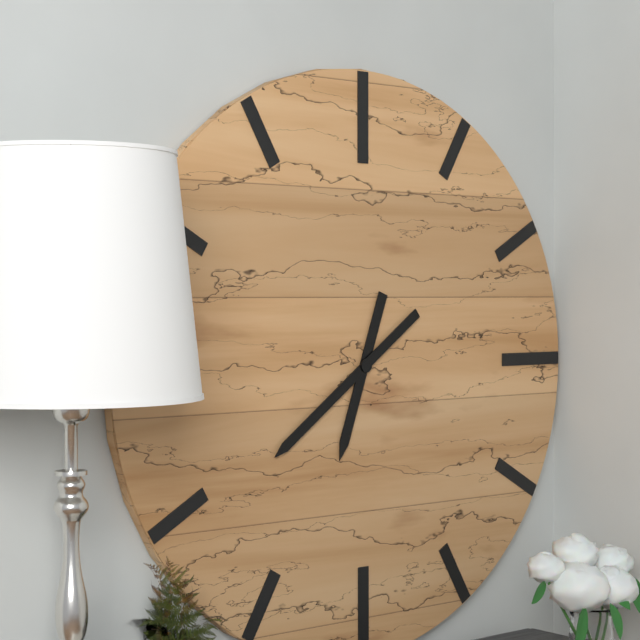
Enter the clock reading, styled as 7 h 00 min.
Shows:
6 h 39 min
